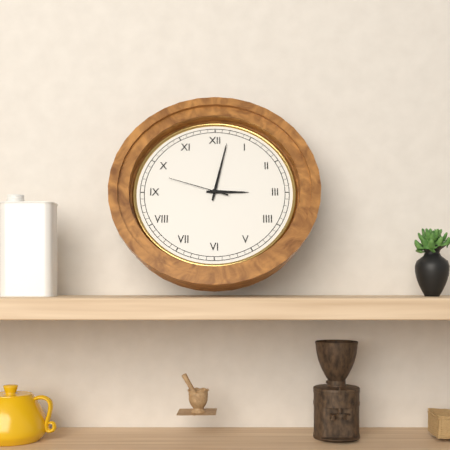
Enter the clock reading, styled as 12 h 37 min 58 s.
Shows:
3 h 02 min 48 s
